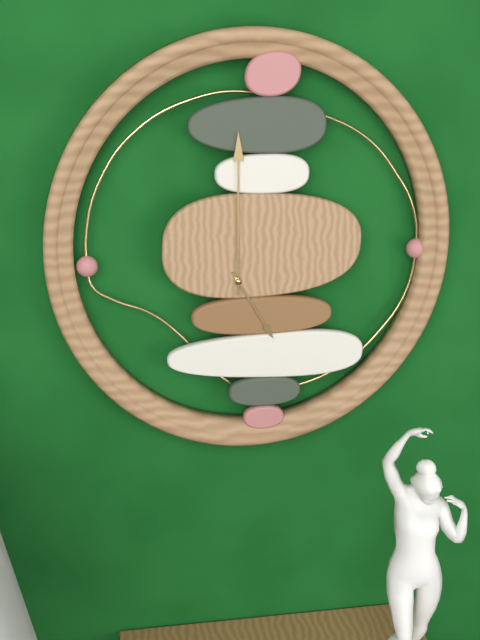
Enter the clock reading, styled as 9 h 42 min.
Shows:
5 h 00 min
